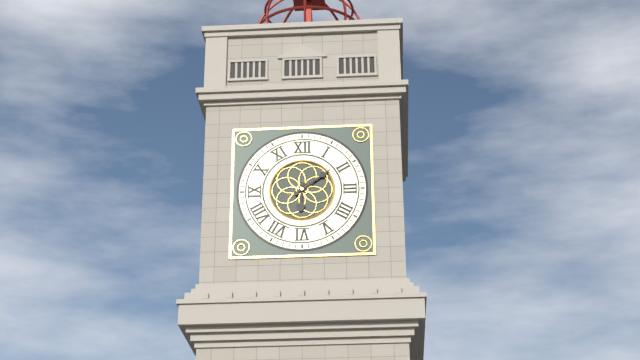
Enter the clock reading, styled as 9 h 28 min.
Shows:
6 h 09 min
